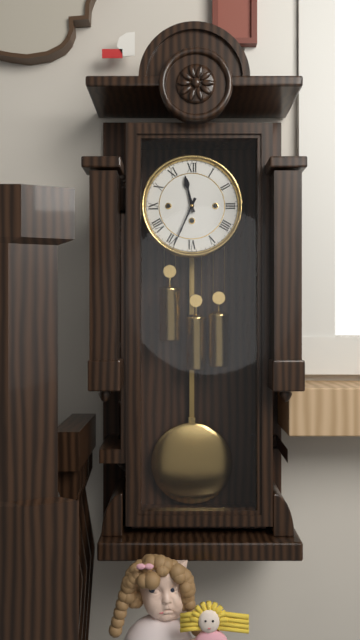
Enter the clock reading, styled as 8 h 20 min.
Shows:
11 h 34 min
